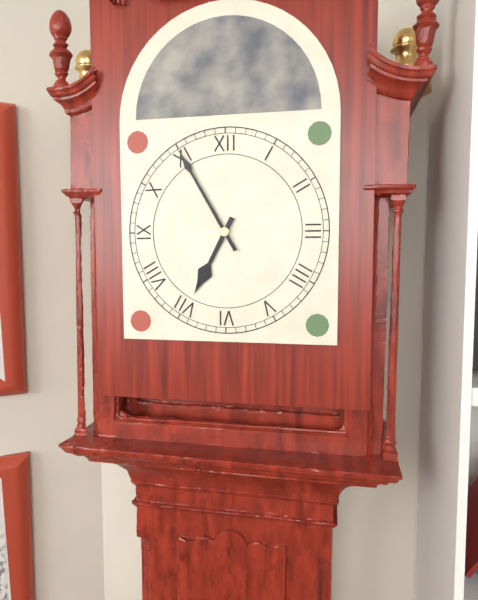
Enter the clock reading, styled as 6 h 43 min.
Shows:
6 h 55 min
